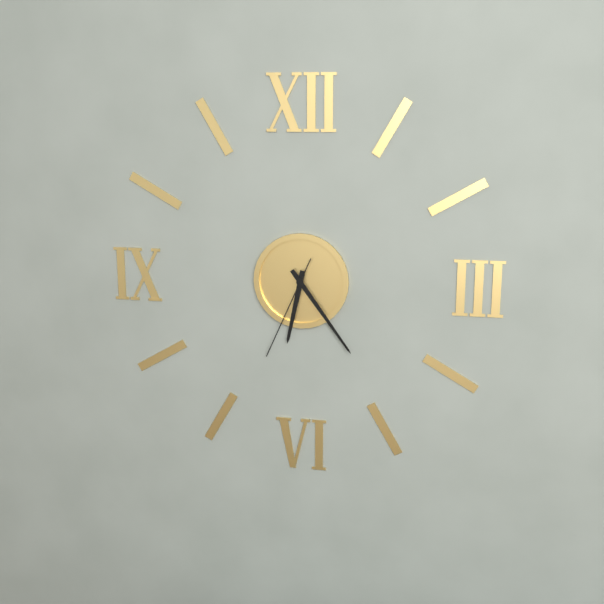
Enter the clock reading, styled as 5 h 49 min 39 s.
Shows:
6 h 24 min 34 s
